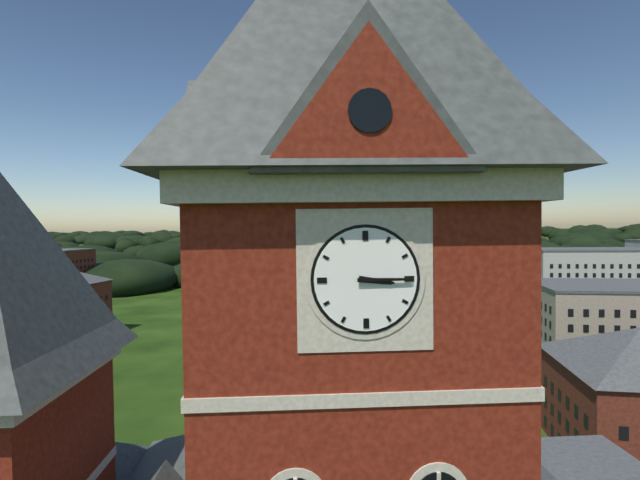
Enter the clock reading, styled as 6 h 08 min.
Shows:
3 h 15 min
